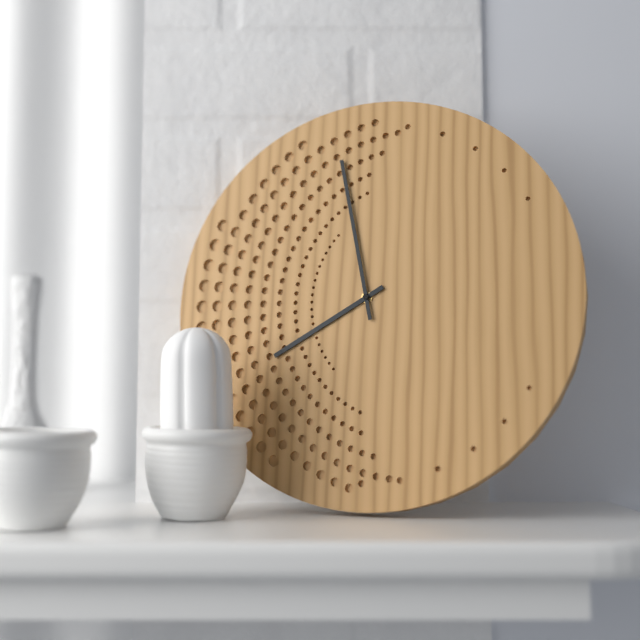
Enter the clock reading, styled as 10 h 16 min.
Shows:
7 h 58 min
